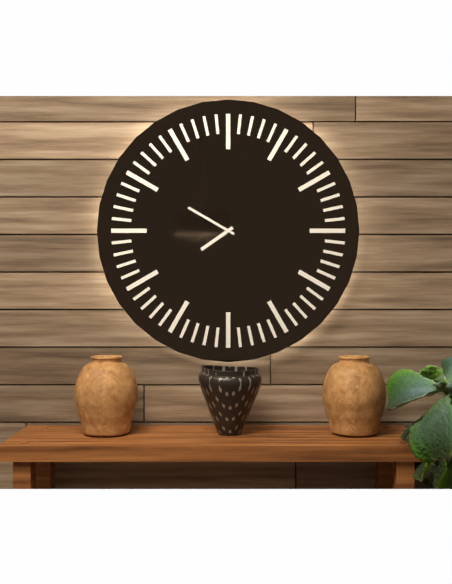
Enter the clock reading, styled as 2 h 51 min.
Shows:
7 h 50 min
